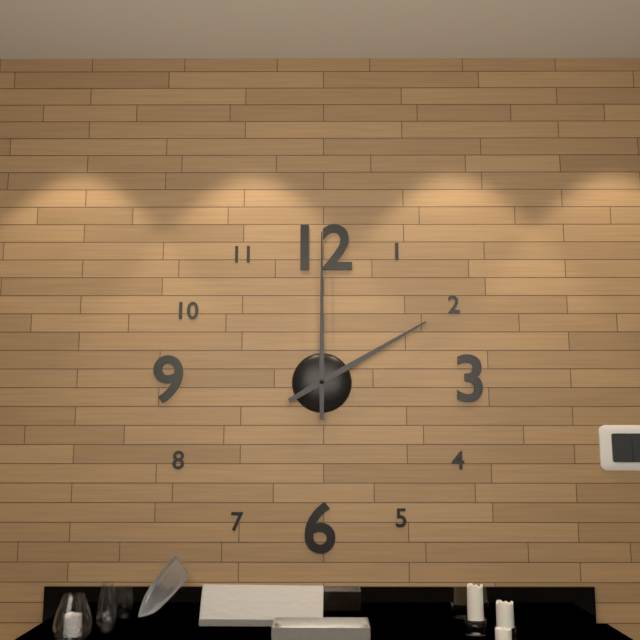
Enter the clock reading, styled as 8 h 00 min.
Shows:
2 h 00 min
